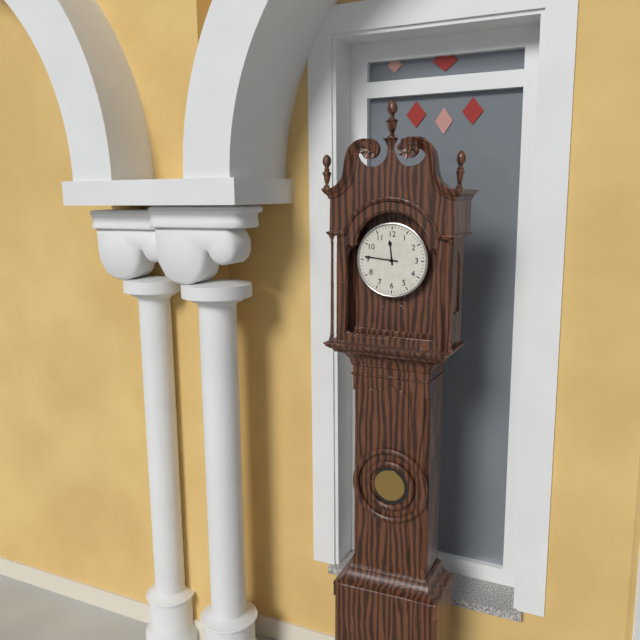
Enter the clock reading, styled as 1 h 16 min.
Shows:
11 h 46 min
